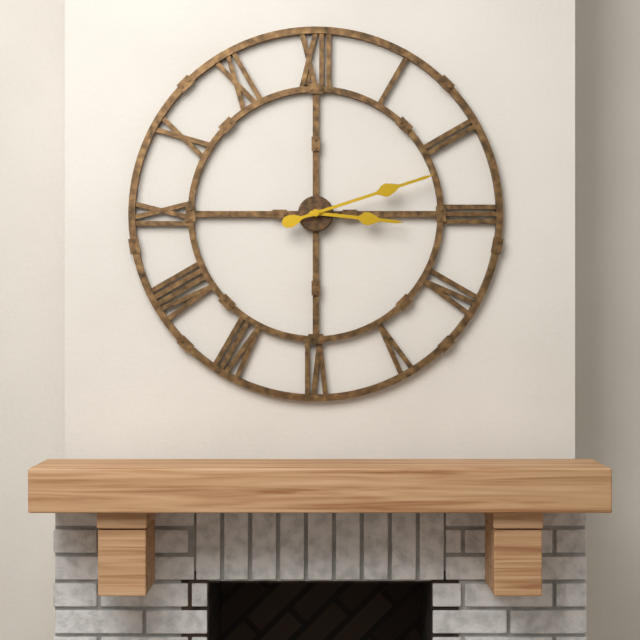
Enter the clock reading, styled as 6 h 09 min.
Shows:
3 h 12 min
